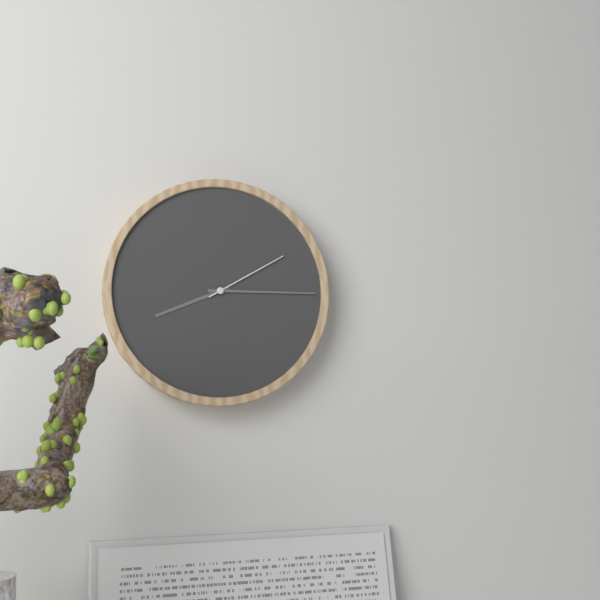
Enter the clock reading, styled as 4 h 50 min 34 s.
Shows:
8 h 15 min 10 s
